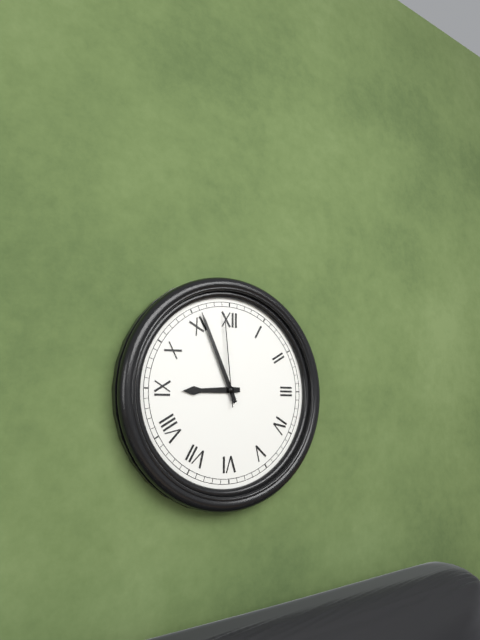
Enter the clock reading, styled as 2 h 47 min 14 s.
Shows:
8 h 56 min 59 s
